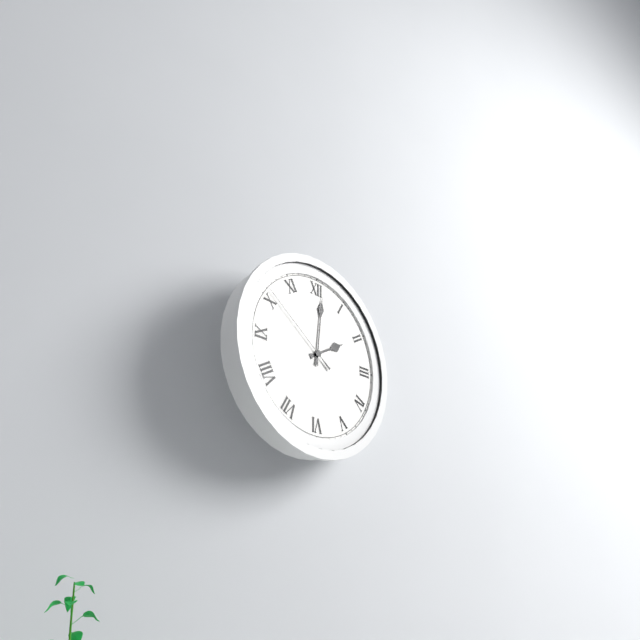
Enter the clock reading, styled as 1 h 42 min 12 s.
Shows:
2 h 01 min 51 s
